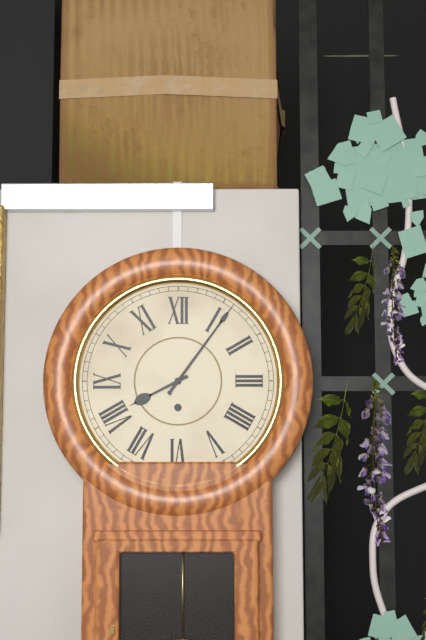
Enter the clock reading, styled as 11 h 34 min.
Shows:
8 h 06 min
